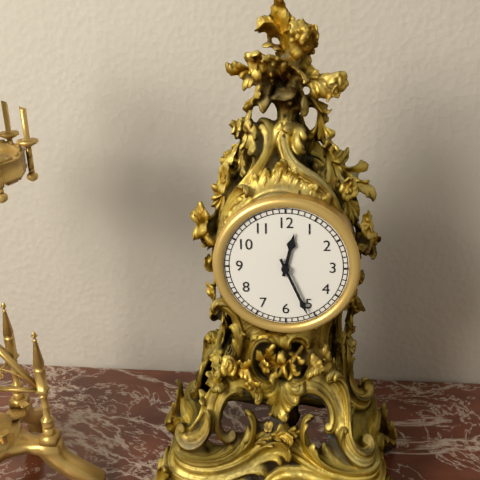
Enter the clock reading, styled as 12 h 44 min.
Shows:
12 h 26 min
